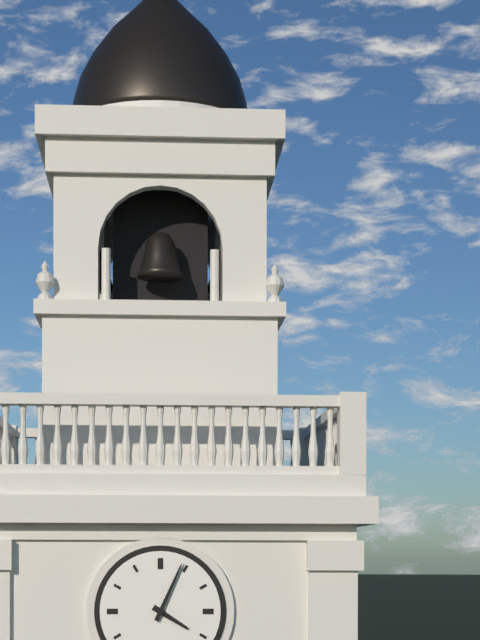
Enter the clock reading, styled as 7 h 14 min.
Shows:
4 h 04 min
